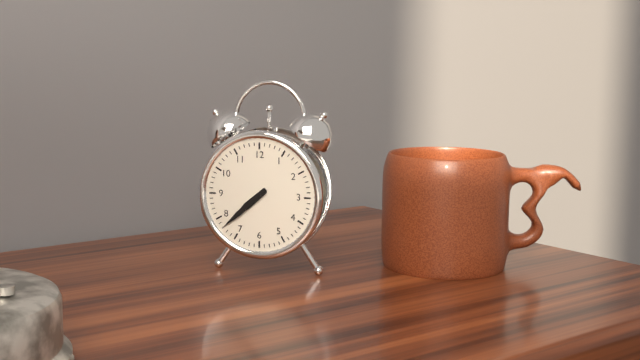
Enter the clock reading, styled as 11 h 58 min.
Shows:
7 h 38 min
